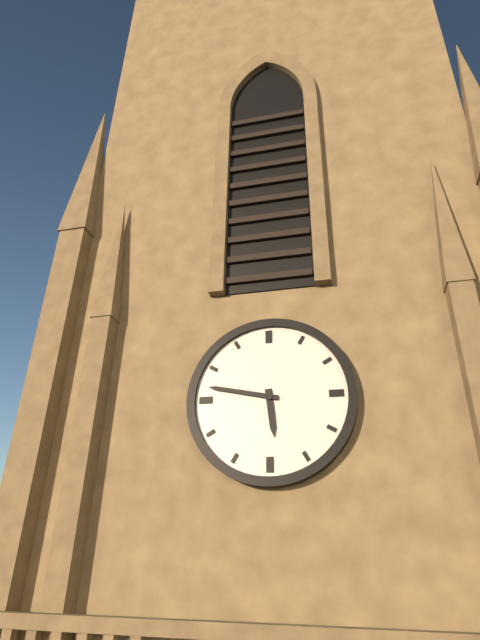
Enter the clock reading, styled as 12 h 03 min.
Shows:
5 h 47 min
